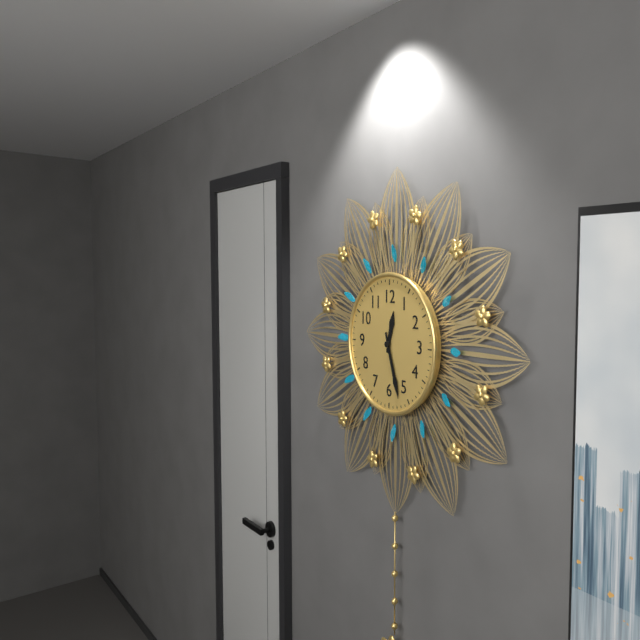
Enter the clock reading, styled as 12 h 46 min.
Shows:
12 h 27 min
